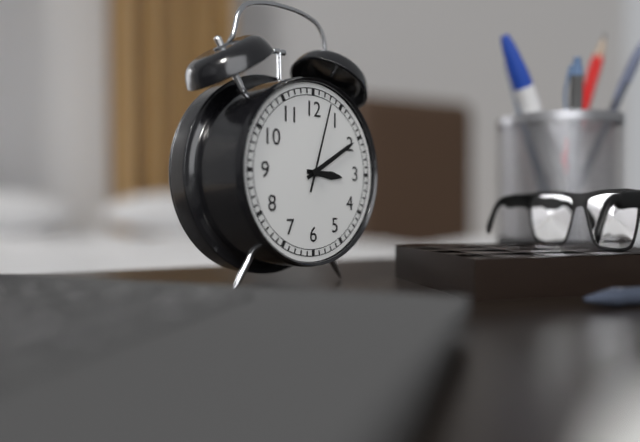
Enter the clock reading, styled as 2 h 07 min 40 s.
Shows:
3 h 10 min 03 s
